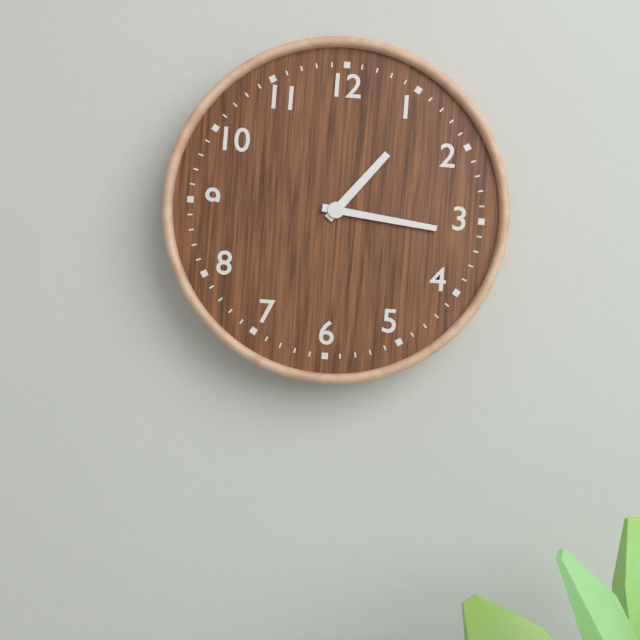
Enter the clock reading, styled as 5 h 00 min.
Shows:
1 h 16 min
